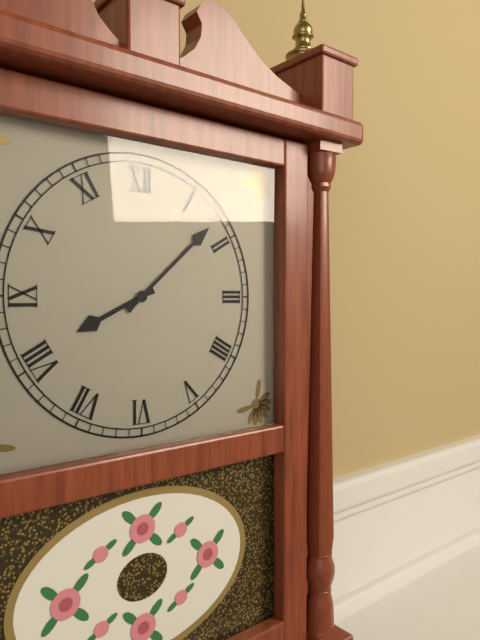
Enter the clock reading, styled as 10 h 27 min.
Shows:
8 h 08 min
